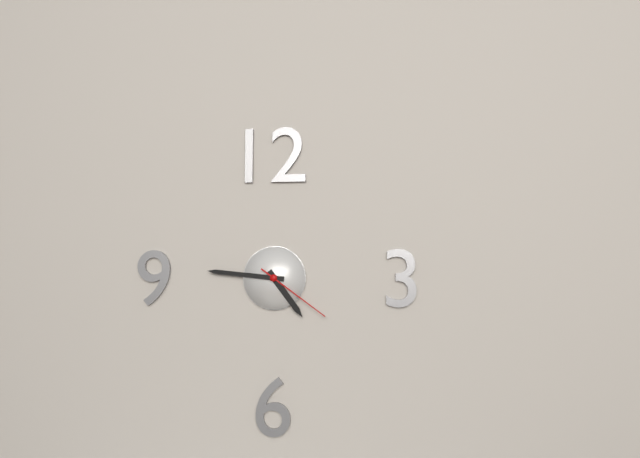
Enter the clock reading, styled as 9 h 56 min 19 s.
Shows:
4 h 46 min 21 s
